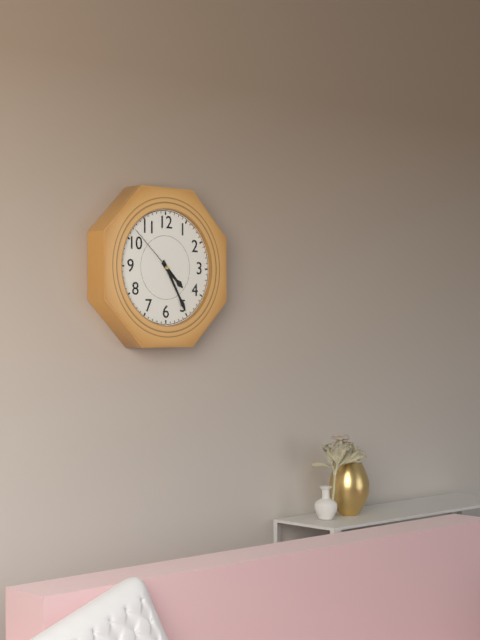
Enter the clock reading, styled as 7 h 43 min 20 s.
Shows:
4 h 25 min 52 s
